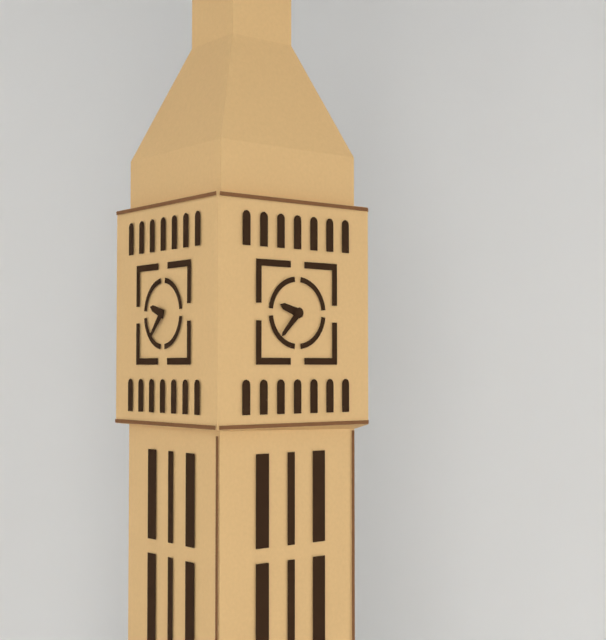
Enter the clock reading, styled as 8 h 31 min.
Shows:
9 h 37 min
